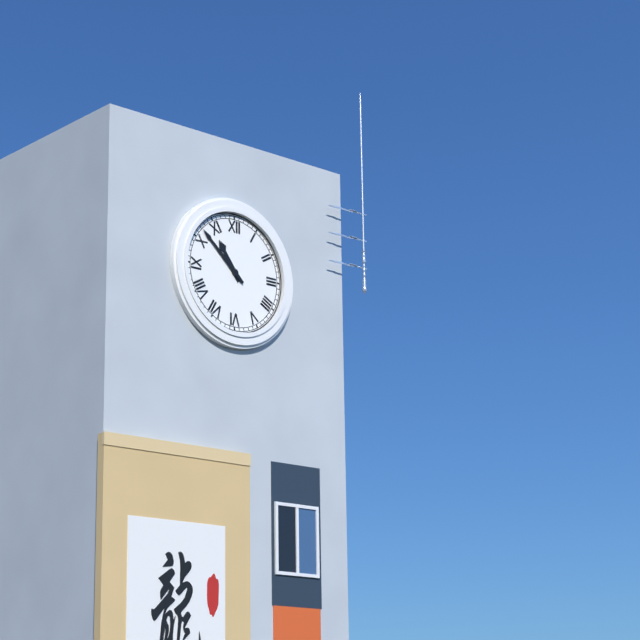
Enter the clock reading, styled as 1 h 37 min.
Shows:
10 h 52 min
